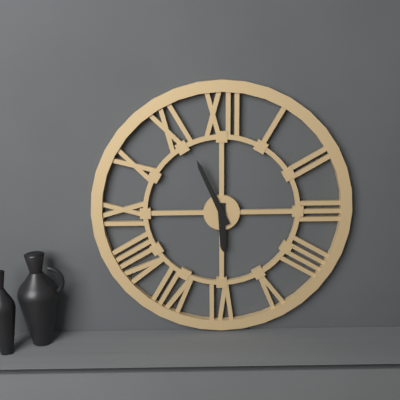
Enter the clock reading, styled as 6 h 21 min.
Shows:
5 h 56 min
